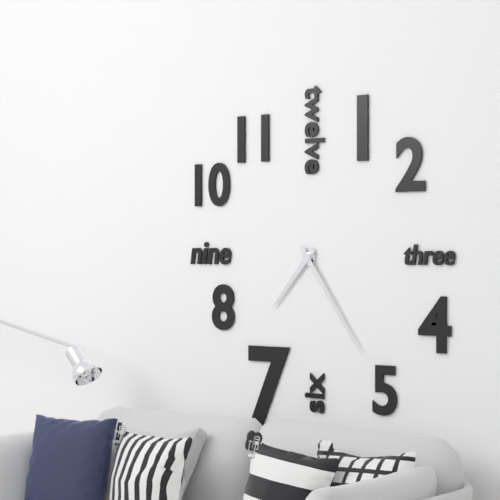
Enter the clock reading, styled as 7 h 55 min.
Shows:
7 h 24 min
